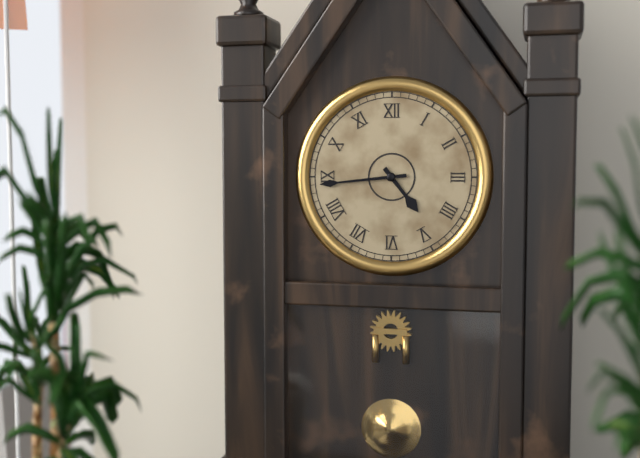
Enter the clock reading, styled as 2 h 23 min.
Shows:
4 h 44 min
